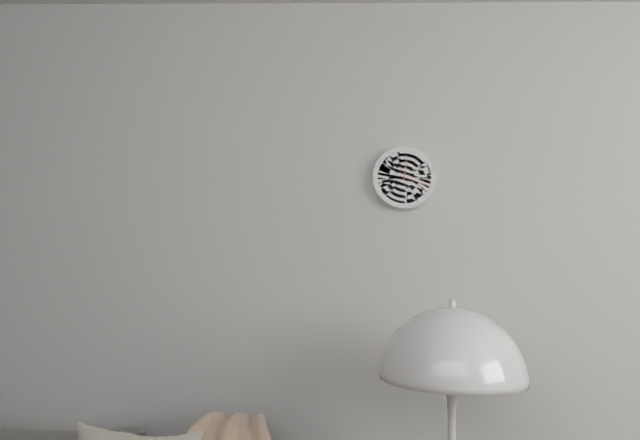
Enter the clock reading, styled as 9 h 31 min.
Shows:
12 h 18 min
